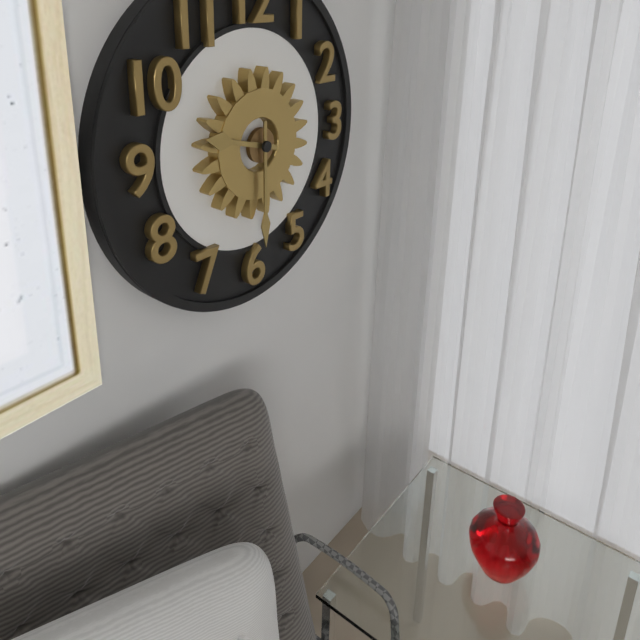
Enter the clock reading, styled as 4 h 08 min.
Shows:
9 h 30 min
